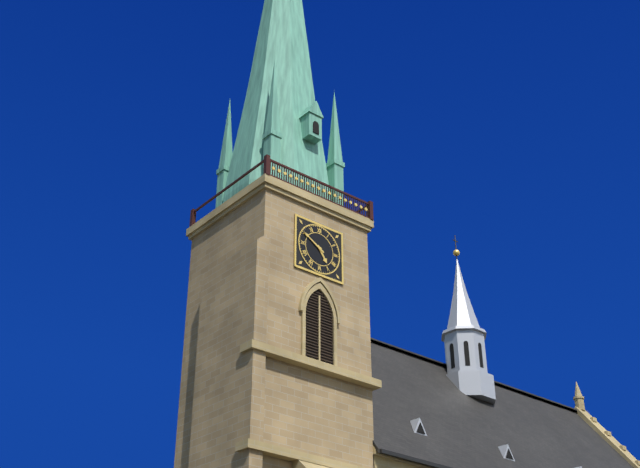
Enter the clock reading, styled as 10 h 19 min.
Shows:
4 h 50 min
